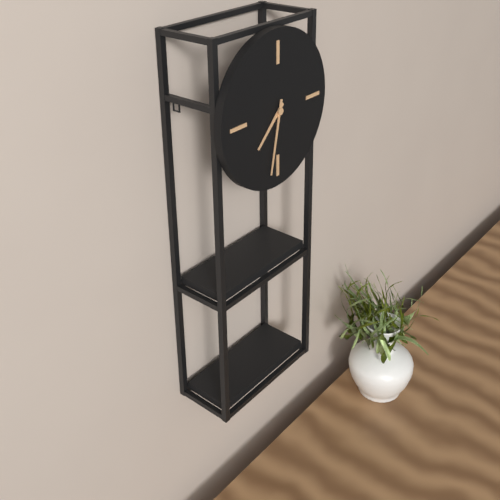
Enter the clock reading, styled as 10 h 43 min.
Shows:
7 h 32 min
